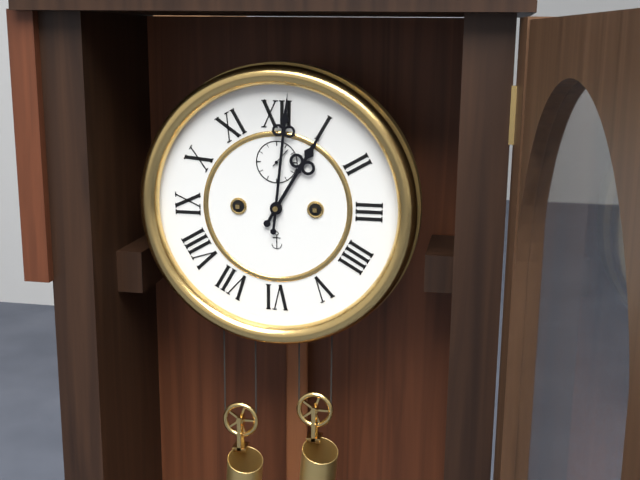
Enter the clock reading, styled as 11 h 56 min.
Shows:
1 h 01 min
